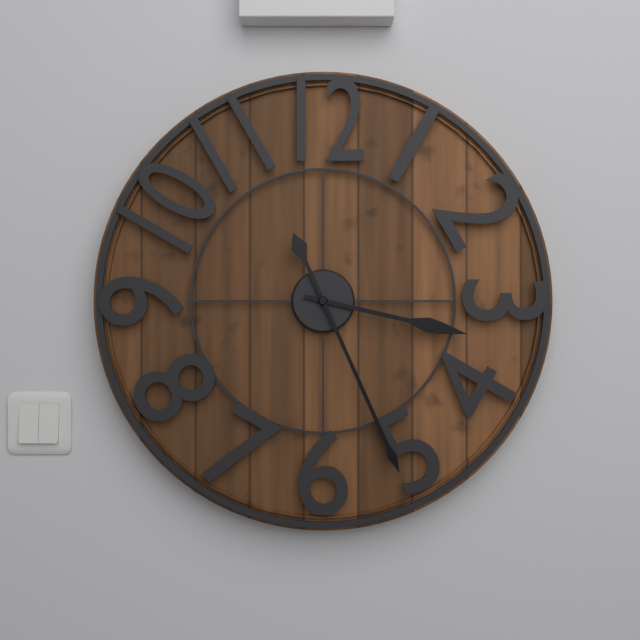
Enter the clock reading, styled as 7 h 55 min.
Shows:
3 h 26 min
